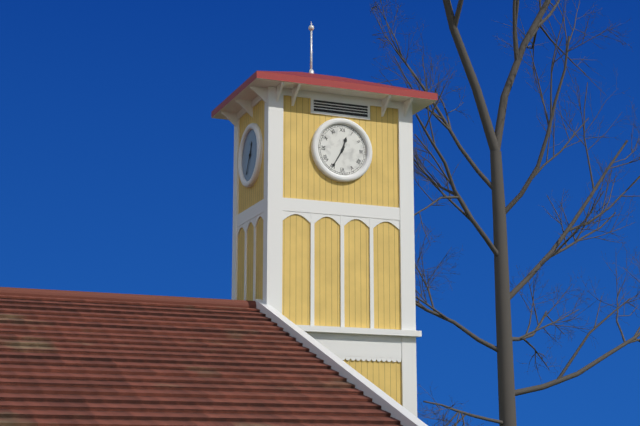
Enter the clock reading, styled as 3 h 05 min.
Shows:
12 h 35 min
